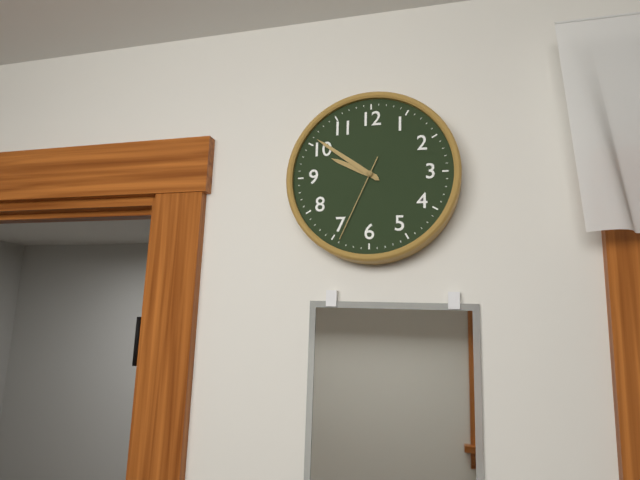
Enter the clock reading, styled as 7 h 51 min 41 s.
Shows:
9 h 51 min 34 s
